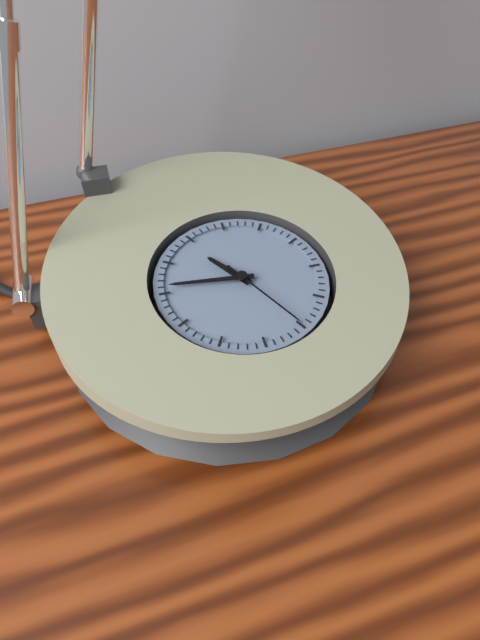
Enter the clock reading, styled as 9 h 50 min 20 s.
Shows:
10 h 46 min 25 s
